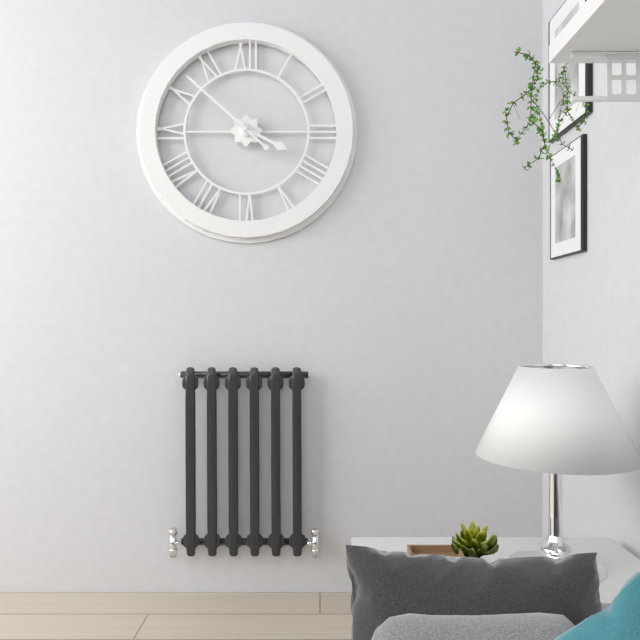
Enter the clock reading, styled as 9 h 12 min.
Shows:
3 h 52 min
